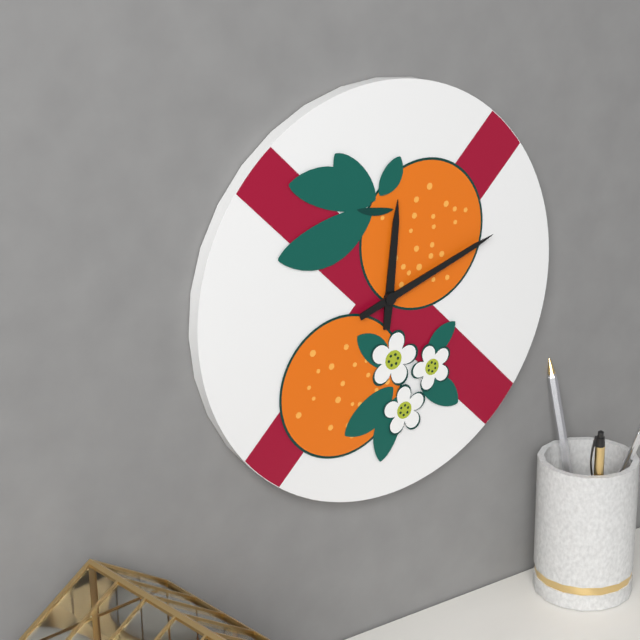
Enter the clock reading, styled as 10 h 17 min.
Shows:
12 h 12 min
